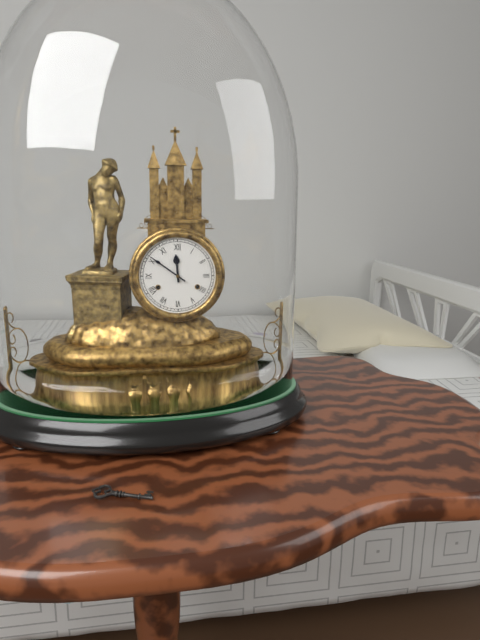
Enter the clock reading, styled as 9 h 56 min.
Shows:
11 h 51 min
